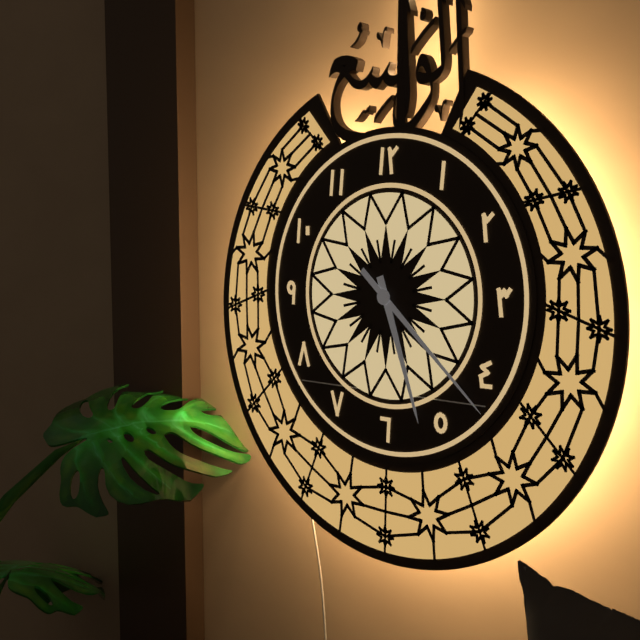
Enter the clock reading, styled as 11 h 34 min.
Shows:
5 h 22 min
